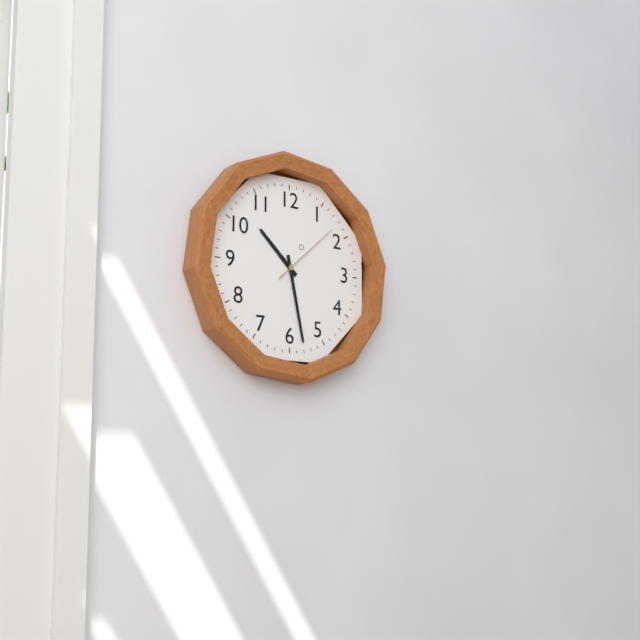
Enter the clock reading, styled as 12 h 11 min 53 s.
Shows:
10 h 28 min 08 s
